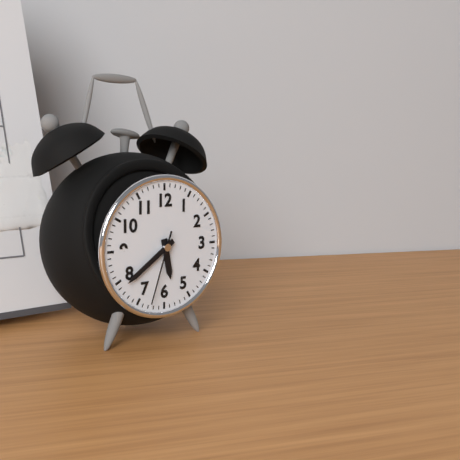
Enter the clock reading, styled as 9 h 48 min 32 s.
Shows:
5 h 39 min 33 s
